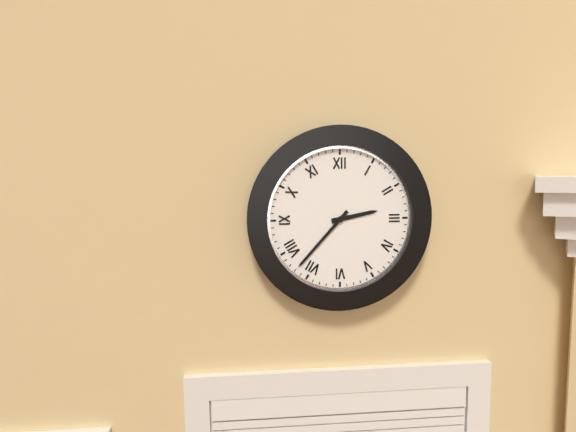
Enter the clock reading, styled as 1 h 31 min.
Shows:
2 h 37 min
